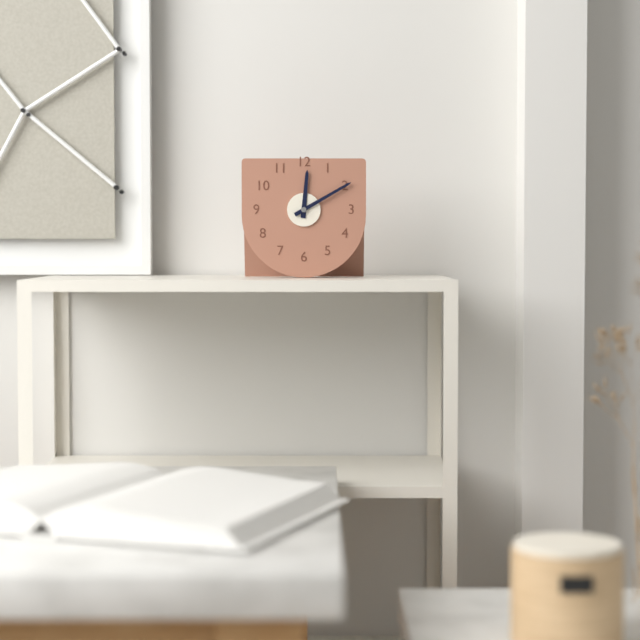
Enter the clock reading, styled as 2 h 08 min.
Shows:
12 h 10 min
